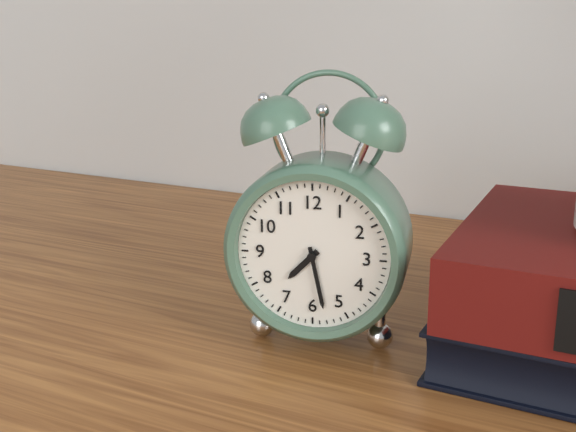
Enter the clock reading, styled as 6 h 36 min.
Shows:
7 h 28 min
